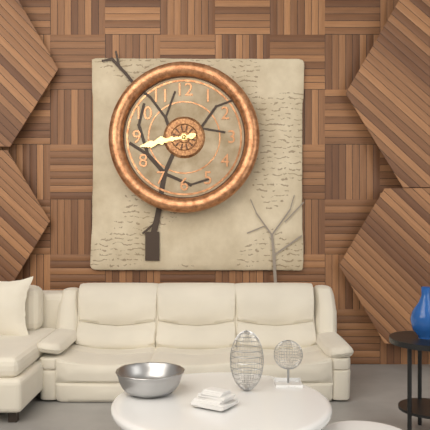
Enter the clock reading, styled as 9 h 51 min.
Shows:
8 h 43 min
